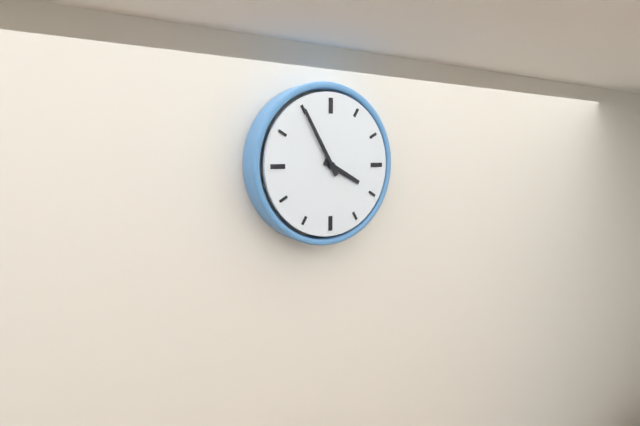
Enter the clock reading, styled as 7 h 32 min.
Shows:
3 h 55 min
